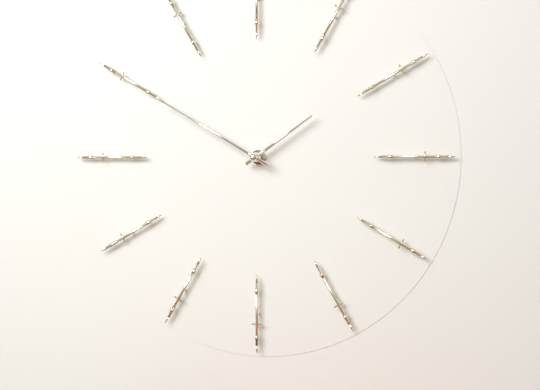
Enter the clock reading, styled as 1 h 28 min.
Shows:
1 h 50 min
